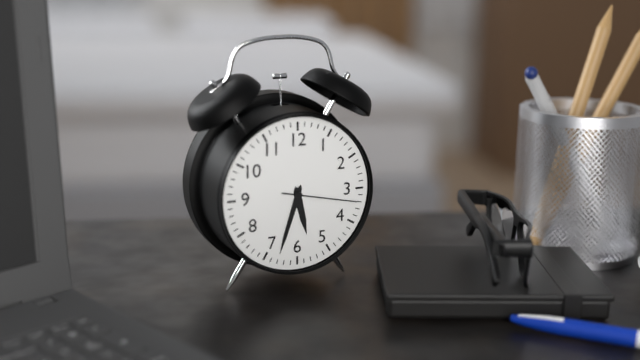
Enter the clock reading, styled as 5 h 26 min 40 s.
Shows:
5 h 33 min 17 s
